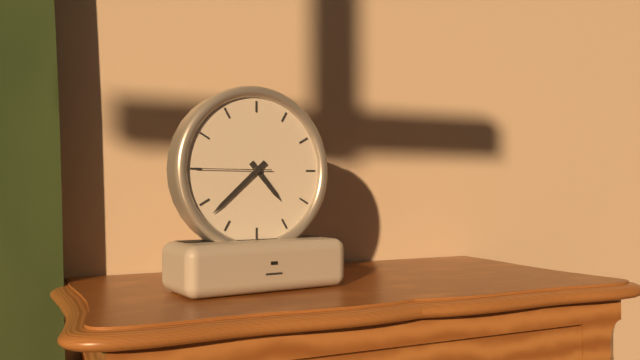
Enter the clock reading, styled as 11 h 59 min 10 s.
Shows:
4 h 38 min 45 s
